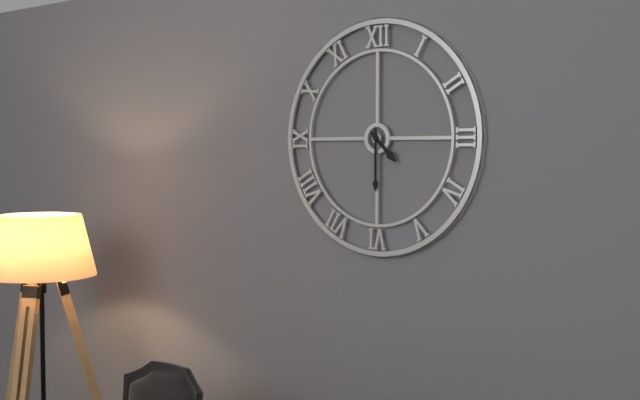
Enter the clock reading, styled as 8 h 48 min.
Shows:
4 h 30 min
